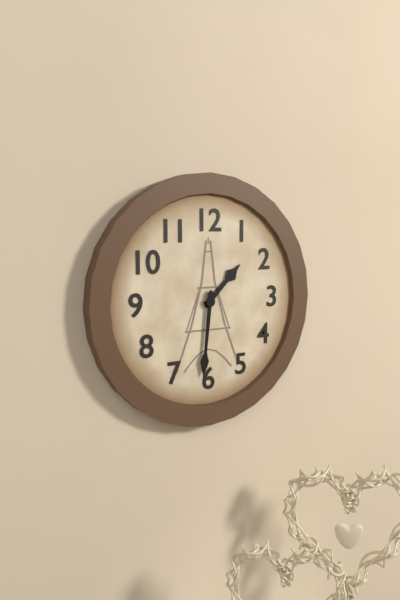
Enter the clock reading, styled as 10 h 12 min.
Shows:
1 h 31 min
